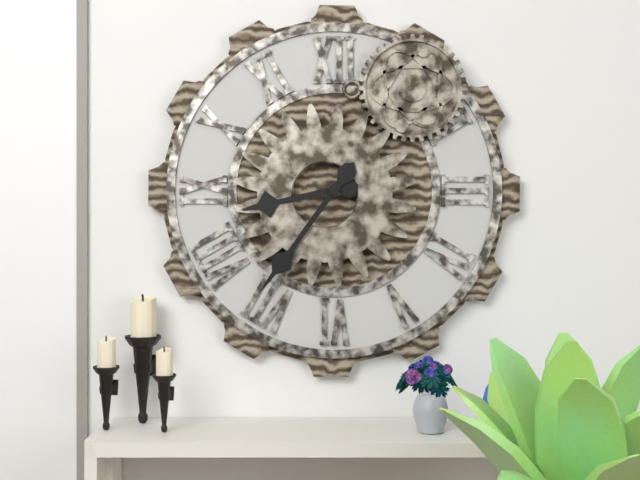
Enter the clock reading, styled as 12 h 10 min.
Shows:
8 h 36 min
